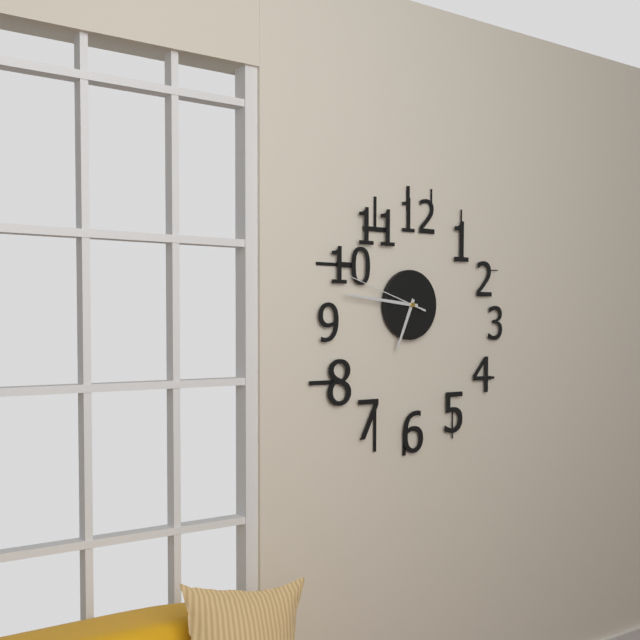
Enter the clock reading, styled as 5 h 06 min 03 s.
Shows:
6 h 46 min 48 s
